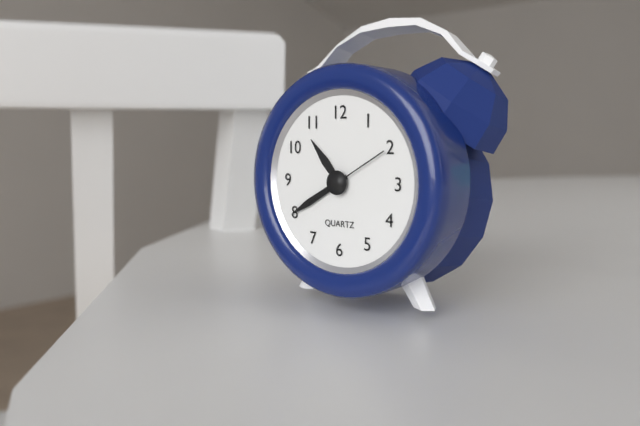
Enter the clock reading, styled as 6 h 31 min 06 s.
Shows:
10 h 40 min 10 s
